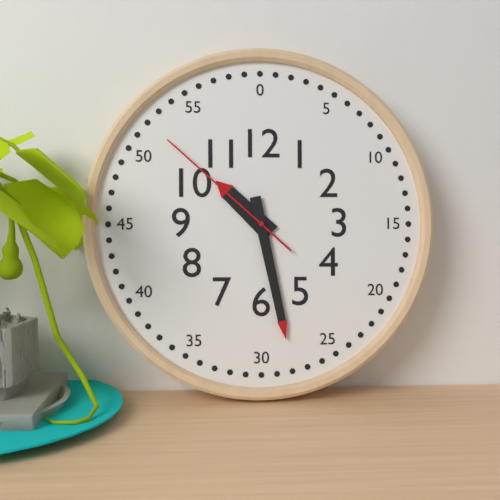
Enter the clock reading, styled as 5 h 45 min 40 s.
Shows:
10 h 28 min 52 s
